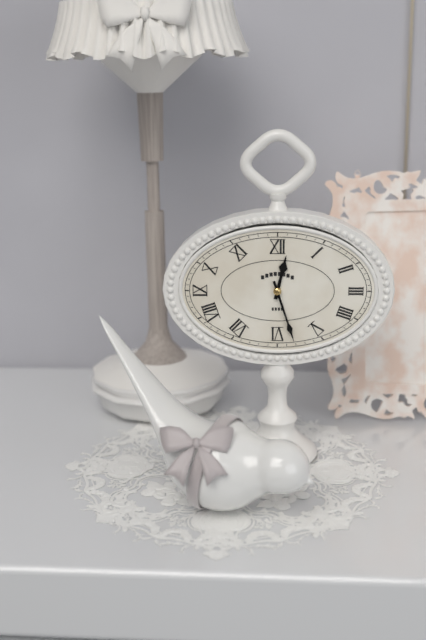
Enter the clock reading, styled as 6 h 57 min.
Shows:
12 h 27 min
